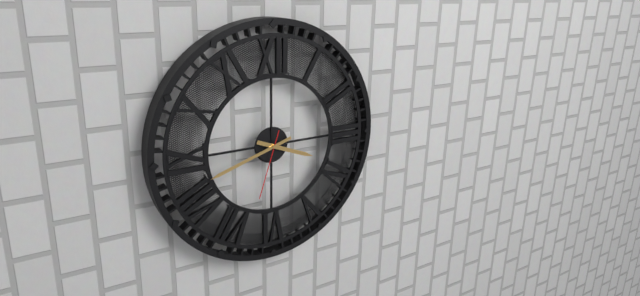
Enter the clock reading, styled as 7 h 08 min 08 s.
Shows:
3 h 42 min 33 s
